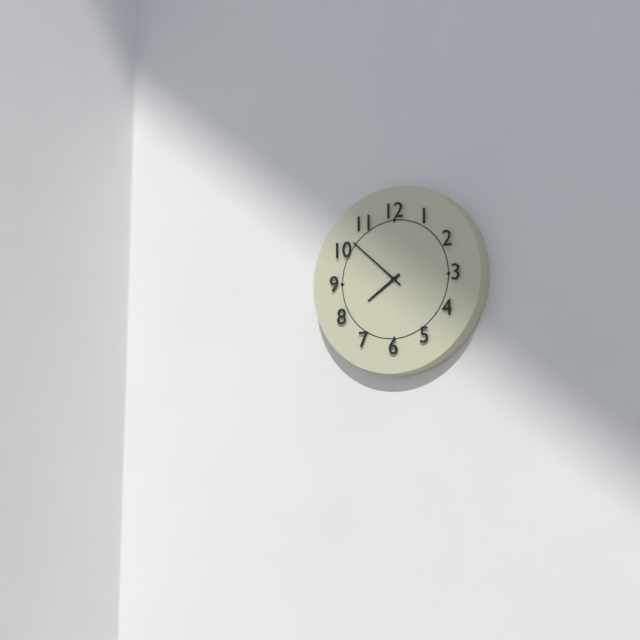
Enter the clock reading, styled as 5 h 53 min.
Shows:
7 h 52 min
